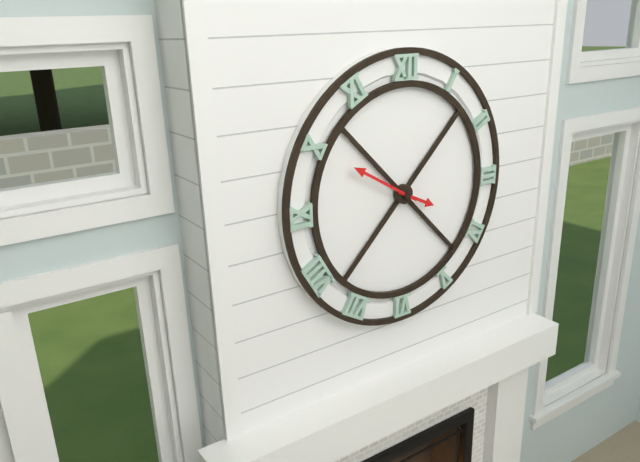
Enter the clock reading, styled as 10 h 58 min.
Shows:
3 h 50 min
